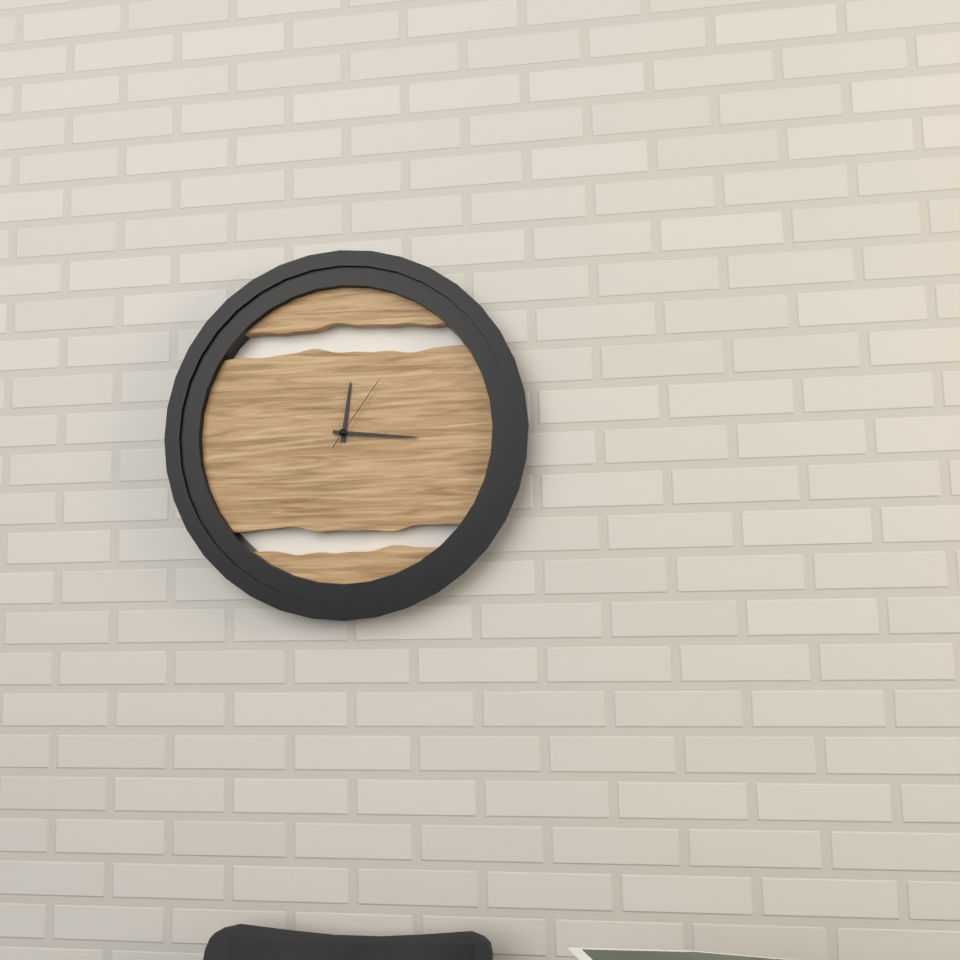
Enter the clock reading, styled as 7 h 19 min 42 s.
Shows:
12 h 16 min 06 s
